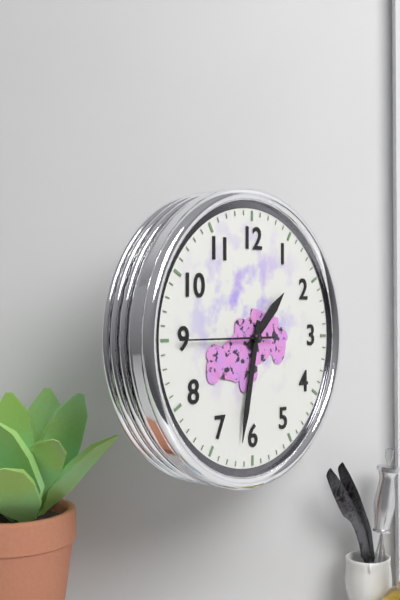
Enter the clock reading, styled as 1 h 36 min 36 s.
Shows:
1 h 32 min 45 s
